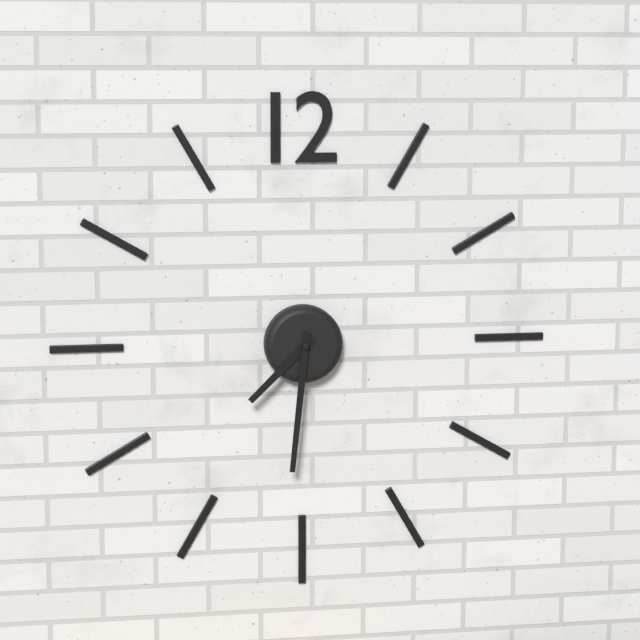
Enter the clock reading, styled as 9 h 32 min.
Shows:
7 h 31 min
